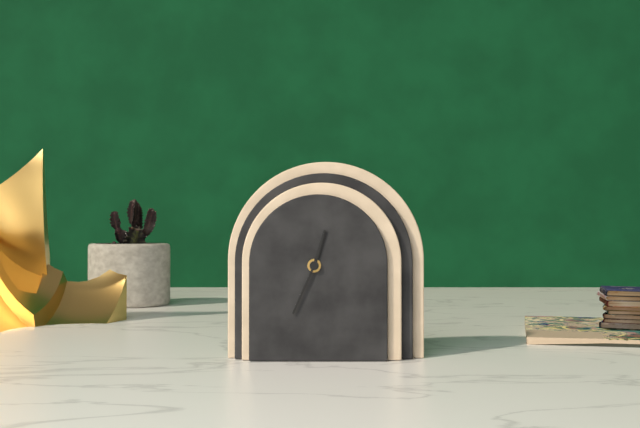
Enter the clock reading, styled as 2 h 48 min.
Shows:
12 h 34 min
